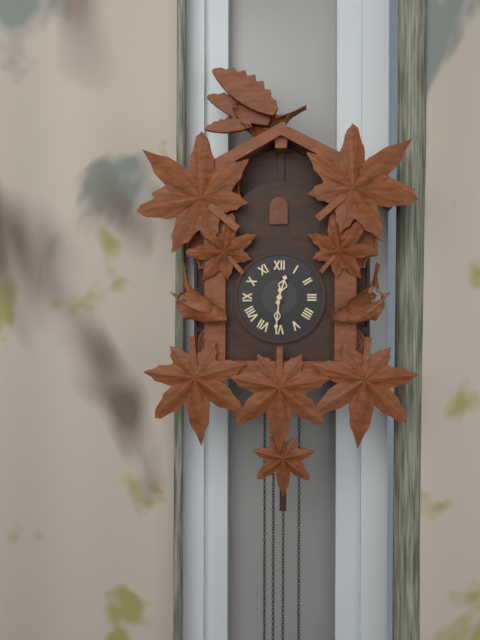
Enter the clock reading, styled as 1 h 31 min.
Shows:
12 h 31 min
